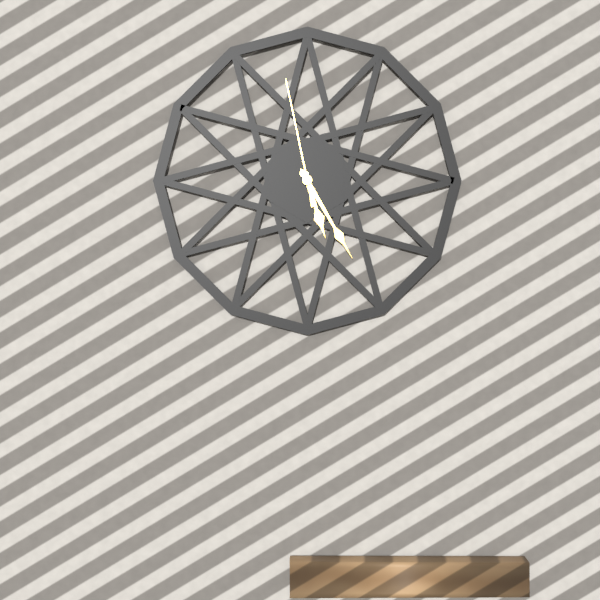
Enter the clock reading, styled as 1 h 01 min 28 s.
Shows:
5 h 25 min 58 s
